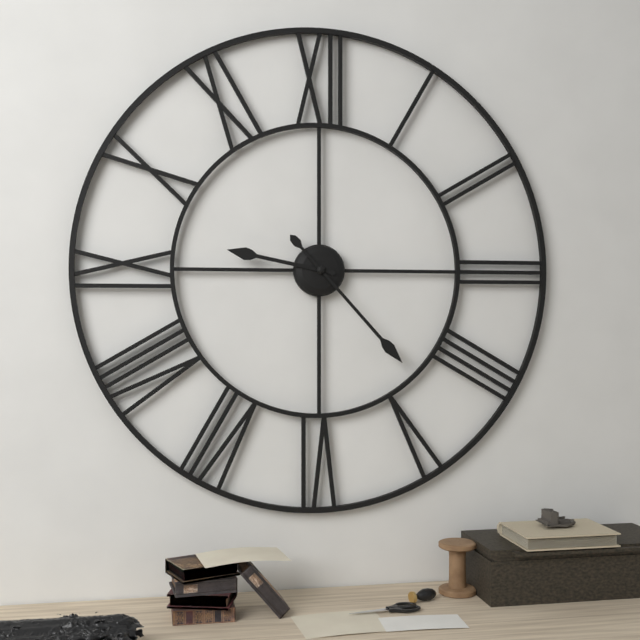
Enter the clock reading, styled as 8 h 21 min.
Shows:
9 h 23 min
